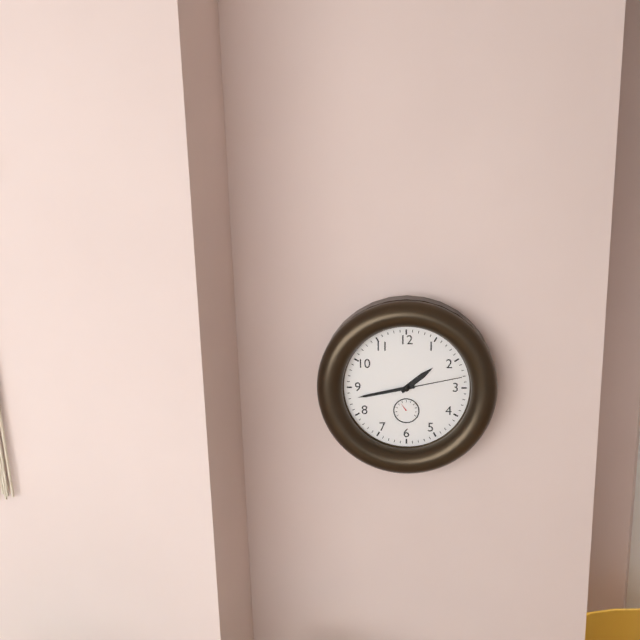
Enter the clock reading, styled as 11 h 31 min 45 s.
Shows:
1 h 43 min 13 s
